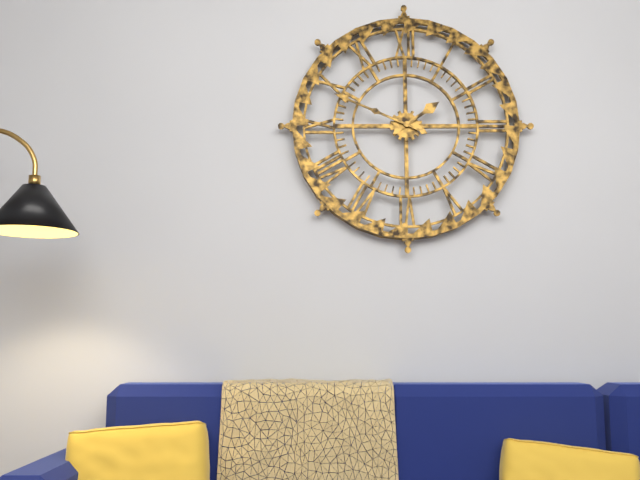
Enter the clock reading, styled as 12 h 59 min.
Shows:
1 h 49 min
